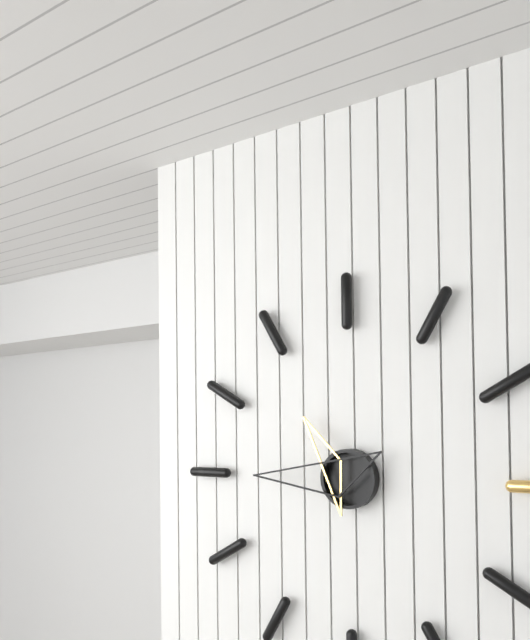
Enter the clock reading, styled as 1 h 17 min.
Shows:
10 h 45 min
